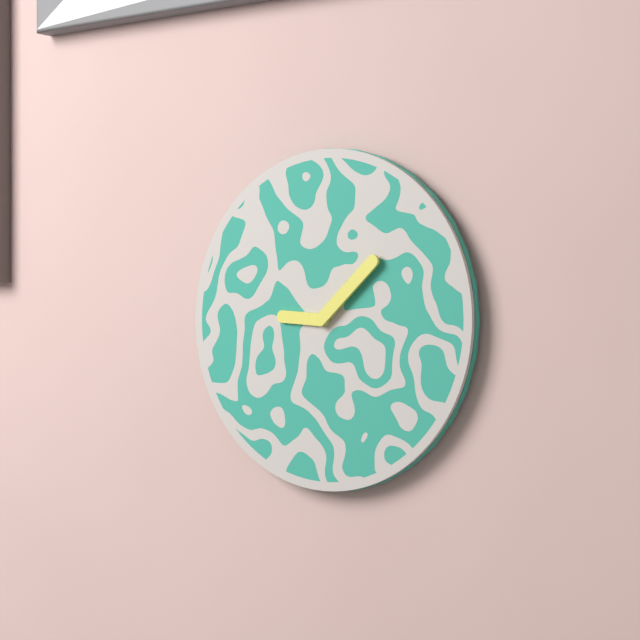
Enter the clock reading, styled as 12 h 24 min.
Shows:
9 h 08 min
